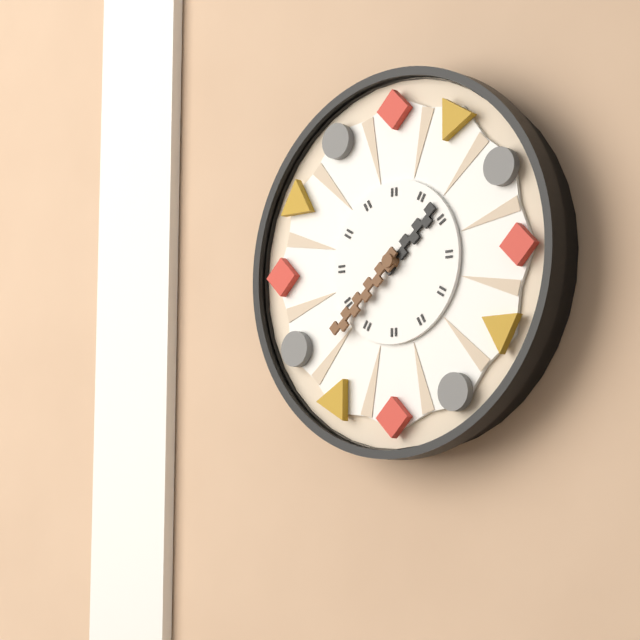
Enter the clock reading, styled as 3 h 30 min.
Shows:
1 h 38 min
